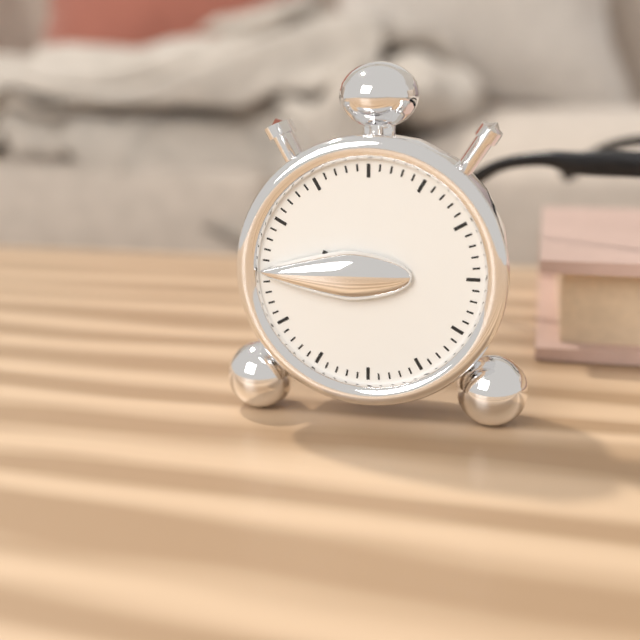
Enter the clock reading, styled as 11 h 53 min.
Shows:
9 h 45 min
